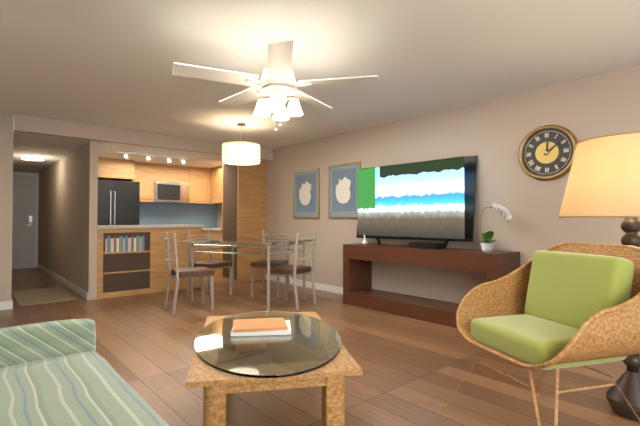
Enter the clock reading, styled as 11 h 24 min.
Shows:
12 h 09 min
